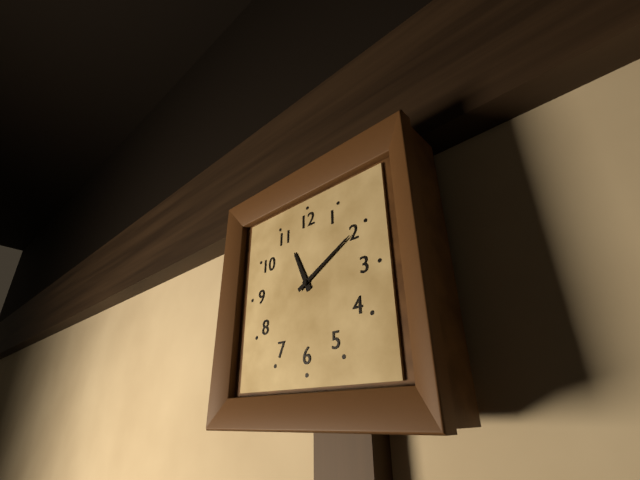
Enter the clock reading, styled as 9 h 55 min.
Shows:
11 h 10 min
